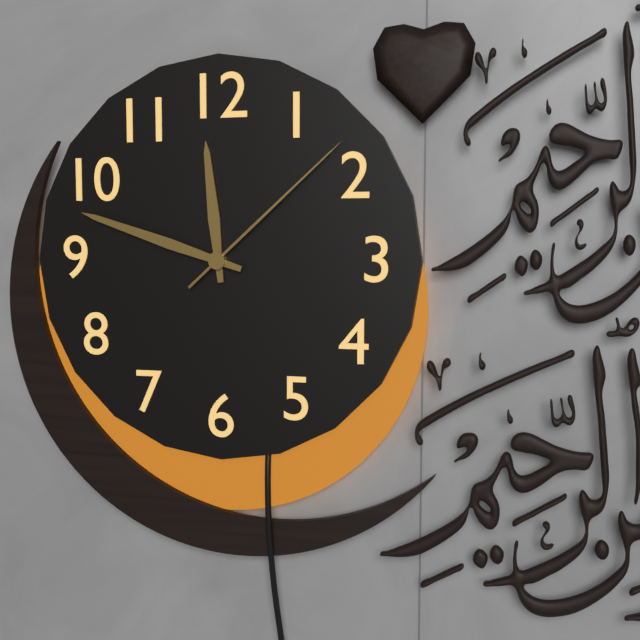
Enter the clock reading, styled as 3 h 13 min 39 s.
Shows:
11 h 48 min 08 s
